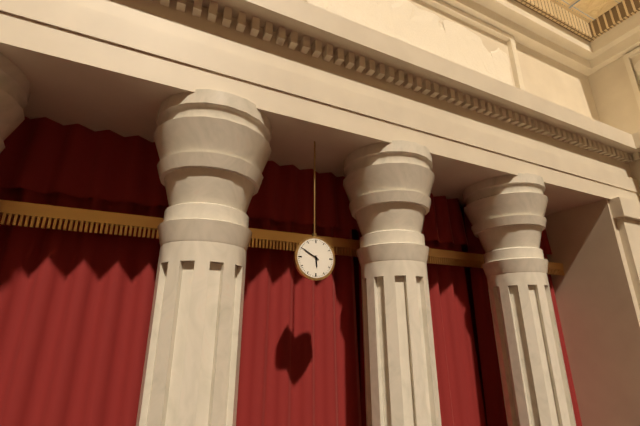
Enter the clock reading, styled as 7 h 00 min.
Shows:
5 h 50 min
